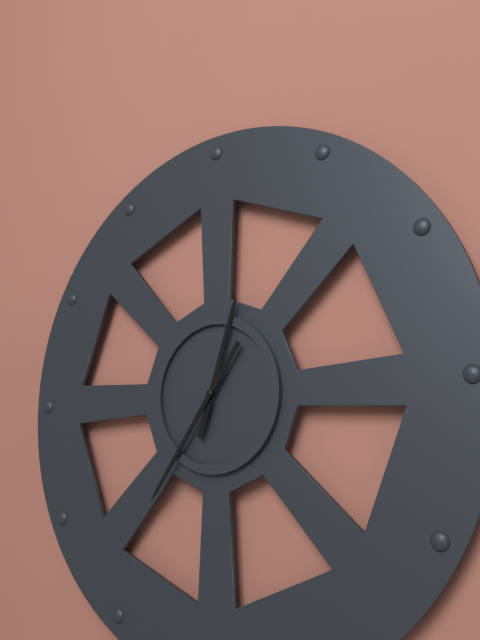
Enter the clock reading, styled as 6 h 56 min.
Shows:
12 h 36 min
